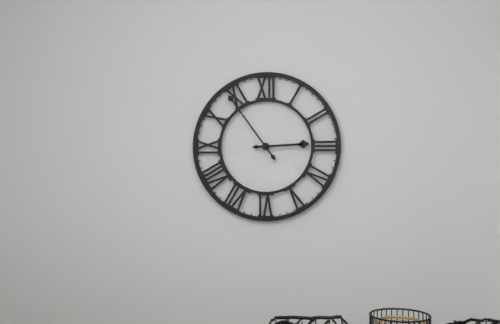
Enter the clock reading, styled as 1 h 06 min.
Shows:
2 h 54 min
